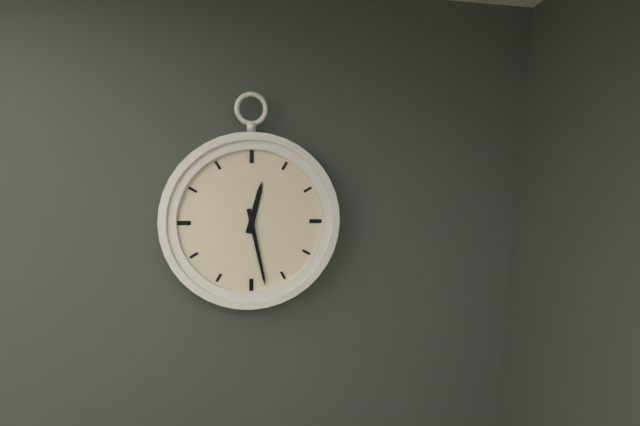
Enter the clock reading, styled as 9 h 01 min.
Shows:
12 h 28 min
